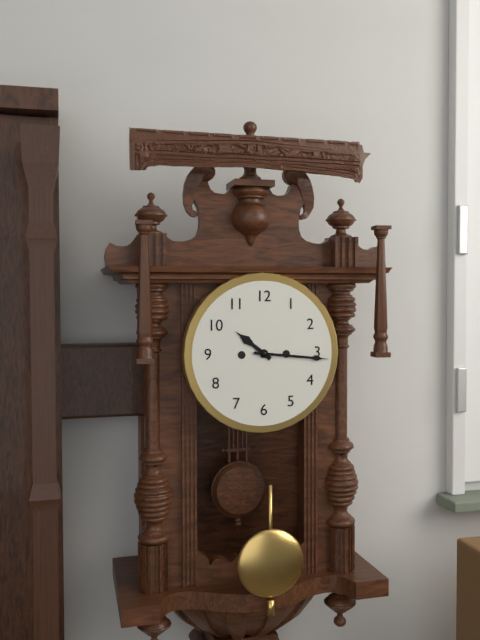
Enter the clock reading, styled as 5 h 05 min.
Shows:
10 h 16 min
